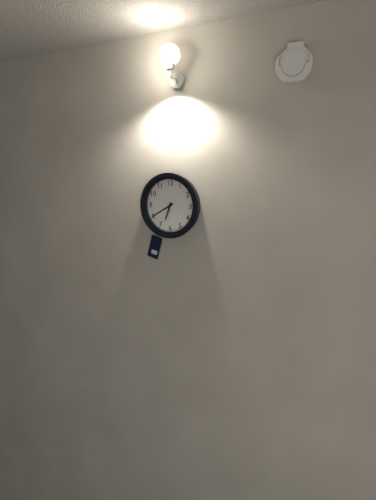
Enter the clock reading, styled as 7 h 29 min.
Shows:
6 h 40 min
